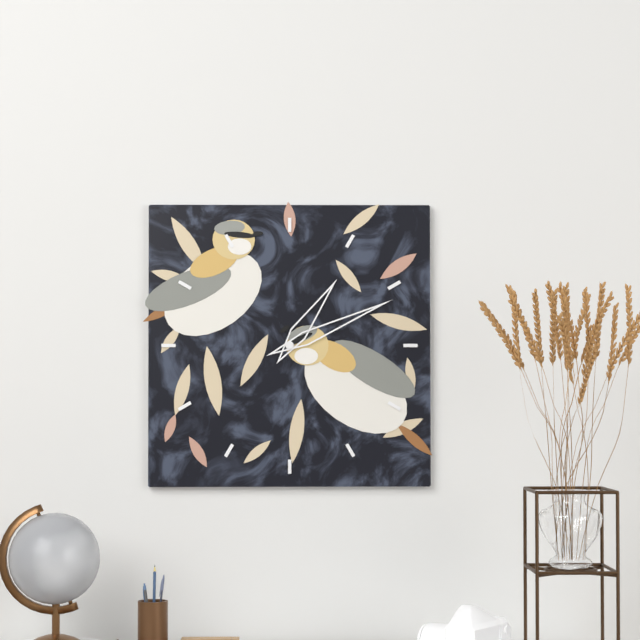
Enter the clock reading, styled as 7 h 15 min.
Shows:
1 h 11 min
